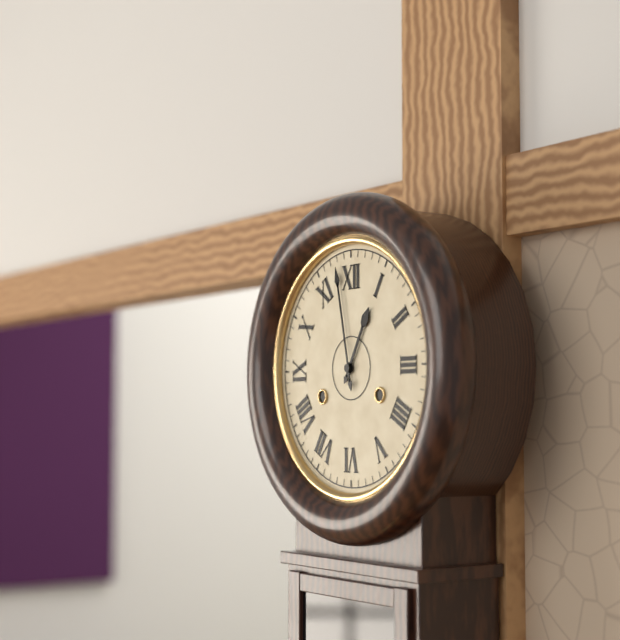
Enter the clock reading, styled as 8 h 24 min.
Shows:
12 h 58 min
